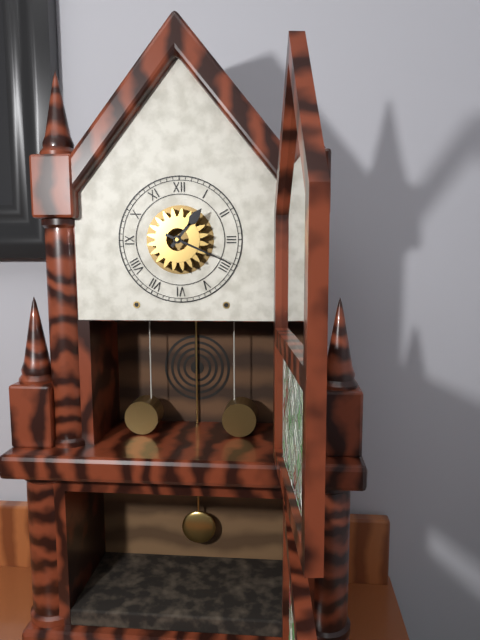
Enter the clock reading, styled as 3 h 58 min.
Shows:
1 h 19 min
